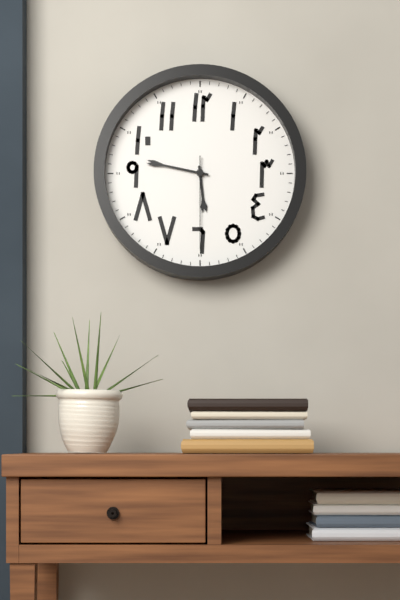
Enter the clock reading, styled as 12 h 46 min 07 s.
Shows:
5 h 47 min 30 s
